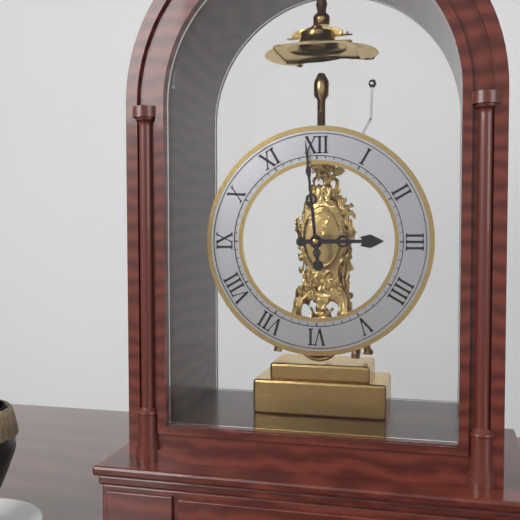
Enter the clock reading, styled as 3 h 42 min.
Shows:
2 h 59 min
